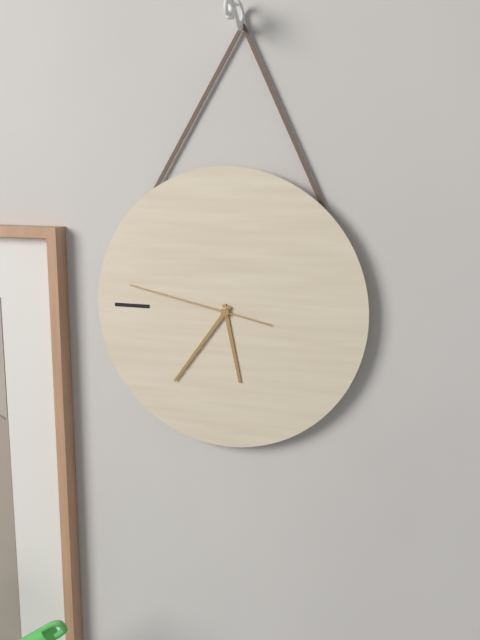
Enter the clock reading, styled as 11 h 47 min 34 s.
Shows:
5 h 36 min 47 s
